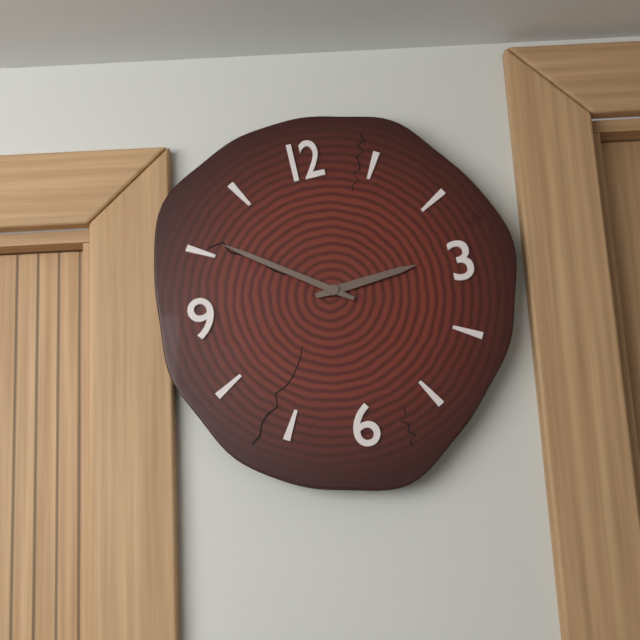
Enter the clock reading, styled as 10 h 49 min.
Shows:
2 h 51 min
